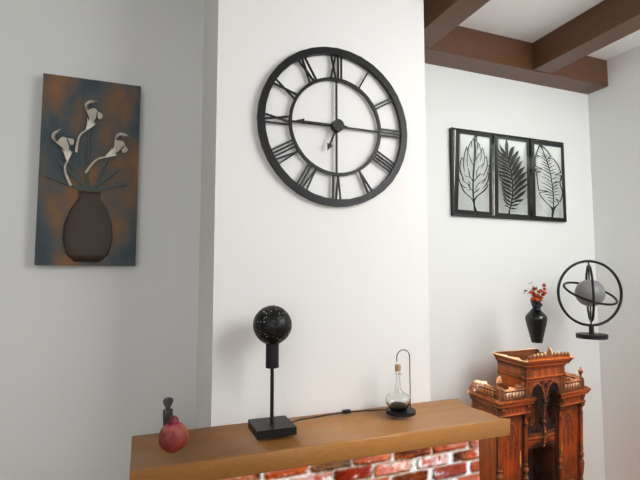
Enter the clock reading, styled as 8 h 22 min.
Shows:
6 h 45 min
